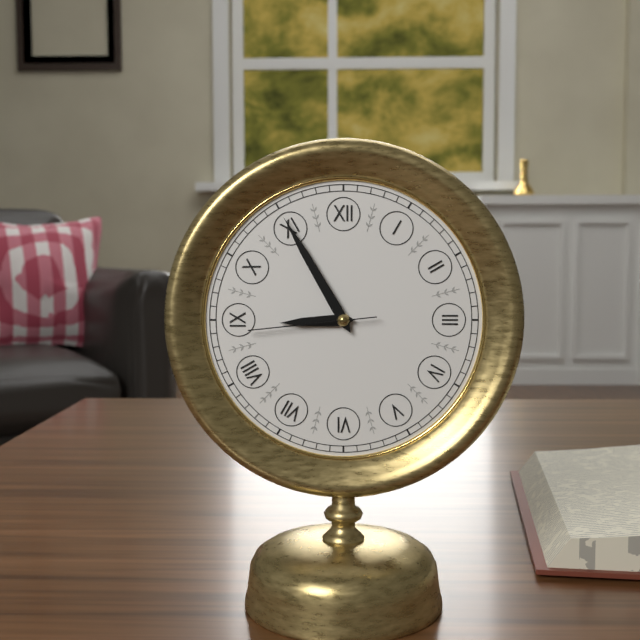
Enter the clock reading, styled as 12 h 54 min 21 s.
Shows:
8 h 55 min 44 s
